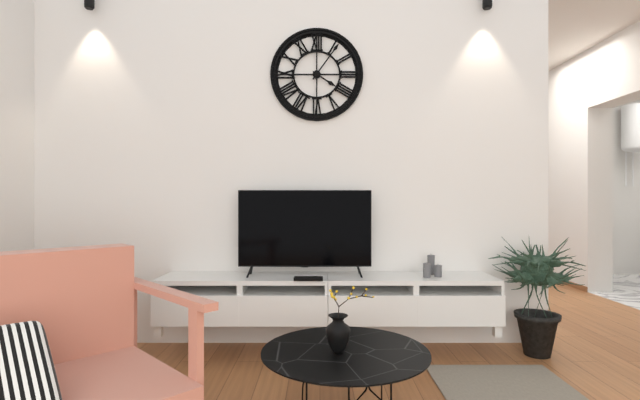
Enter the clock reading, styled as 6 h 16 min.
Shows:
4 h 06 min
